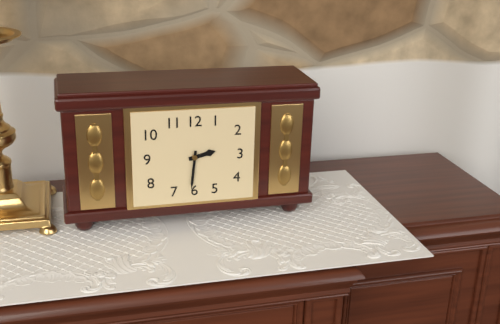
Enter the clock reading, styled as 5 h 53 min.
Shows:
2 h 31 min
